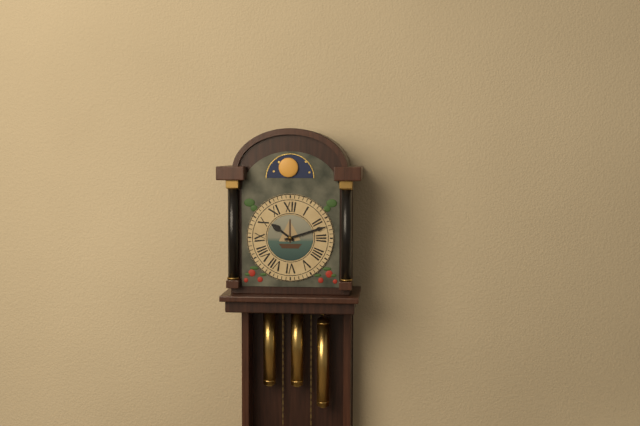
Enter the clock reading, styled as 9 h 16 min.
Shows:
10 h 12 min
